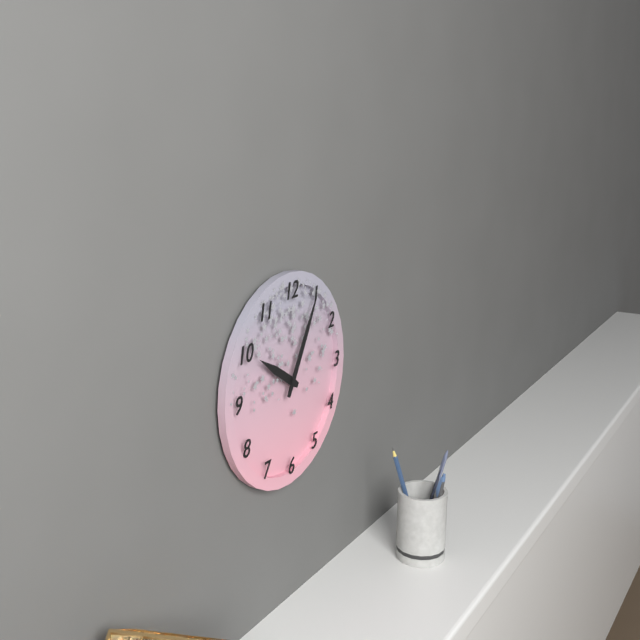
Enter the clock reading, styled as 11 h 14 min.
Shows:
10 h 05 min
